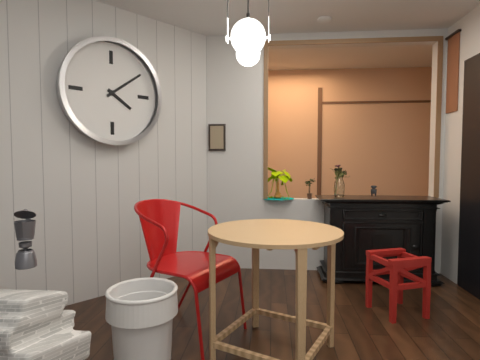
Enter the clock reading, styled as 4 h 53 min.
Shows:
4 h 09 min
